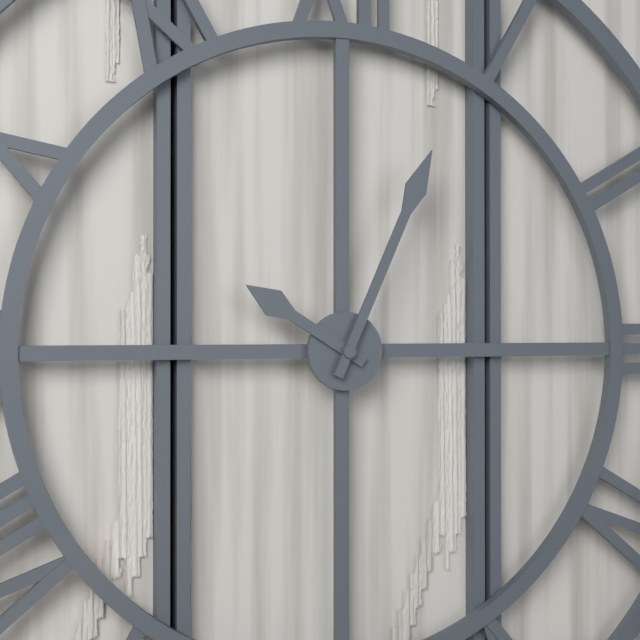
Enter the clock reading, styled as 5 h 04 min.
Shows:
10 h 04 min
